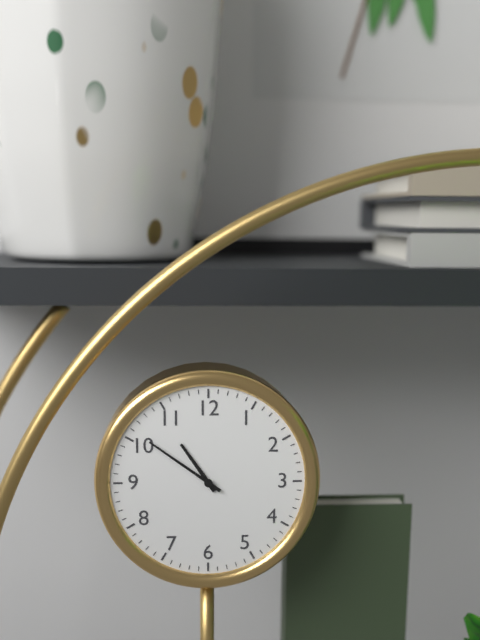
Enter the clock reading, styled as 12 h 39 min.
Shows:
10 h 51 min
